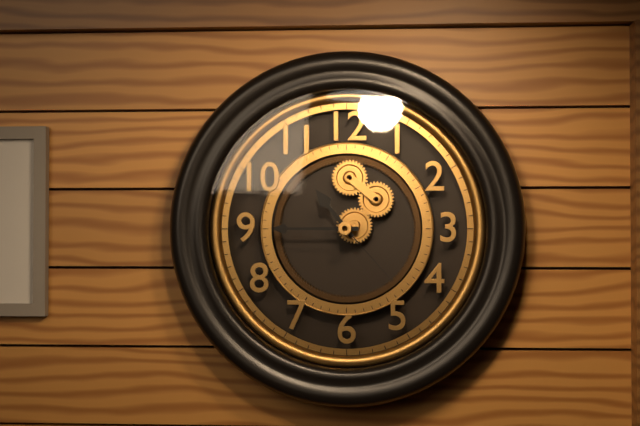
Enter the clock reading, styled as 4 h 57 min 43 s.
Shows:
10 h 45 min 23 s
